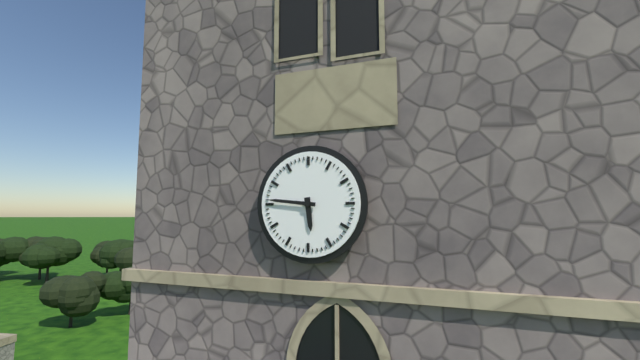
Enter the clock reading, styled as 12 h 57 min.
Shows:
5 h 46 min
